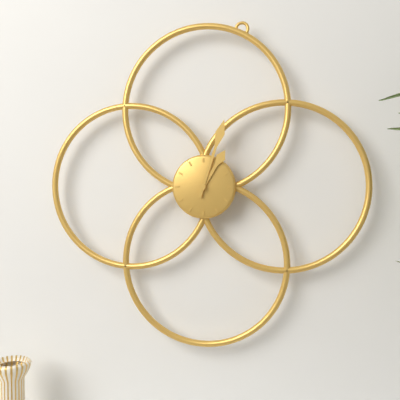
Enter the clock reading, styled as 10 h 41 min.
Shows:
1 h 03 min
